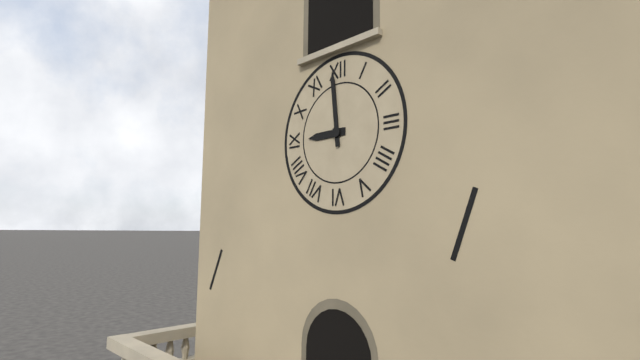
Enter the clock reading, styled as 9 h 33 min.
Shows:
8 h 59 min
